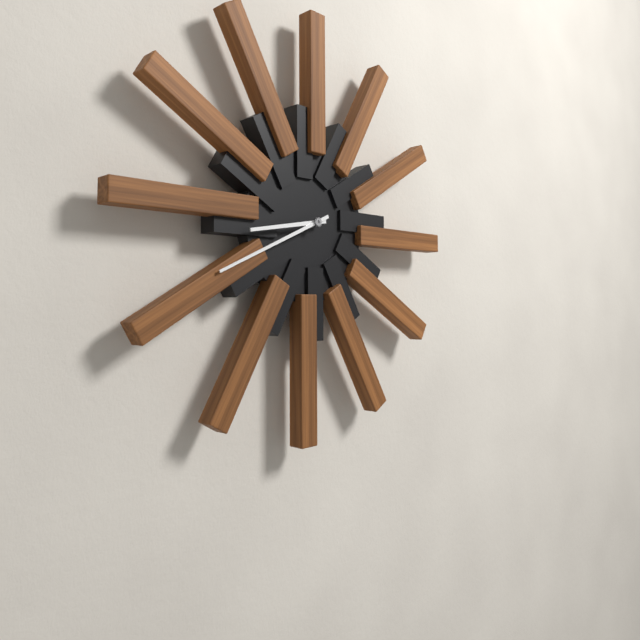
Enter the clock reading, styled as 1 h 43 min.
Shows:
8 h 41 min
